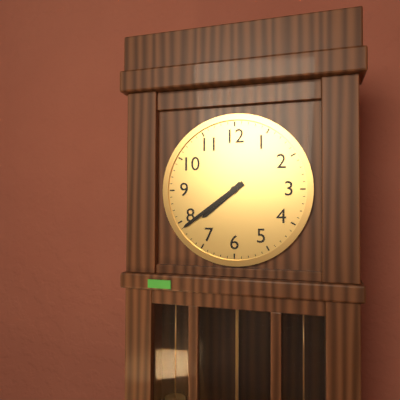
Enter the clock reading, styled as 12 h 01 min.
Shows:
7 h 39 min
